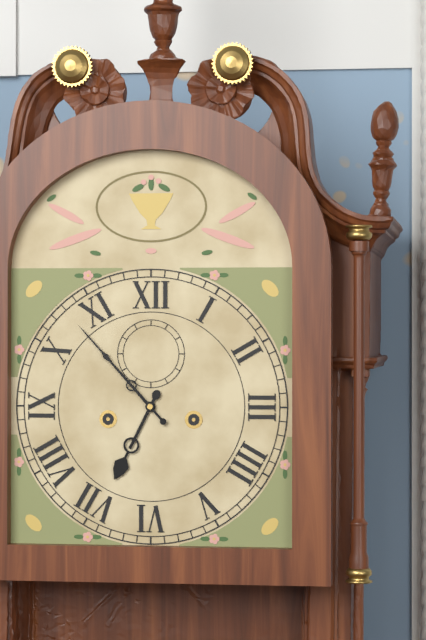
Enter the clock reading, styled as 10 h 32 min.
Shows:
6 h 53 min
